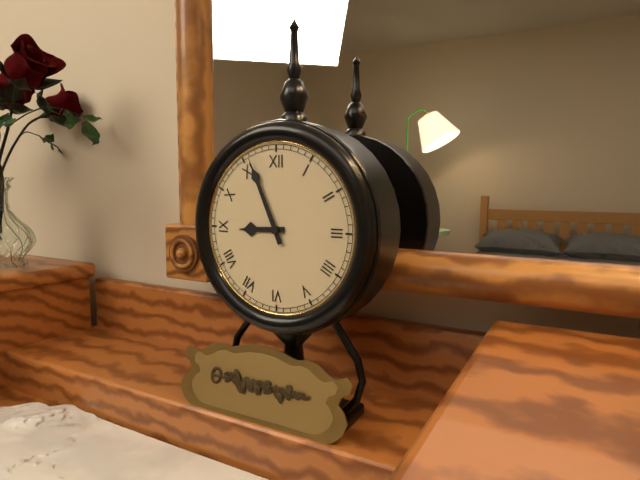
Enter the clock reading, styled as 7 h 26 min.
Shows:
8 h 56 min
